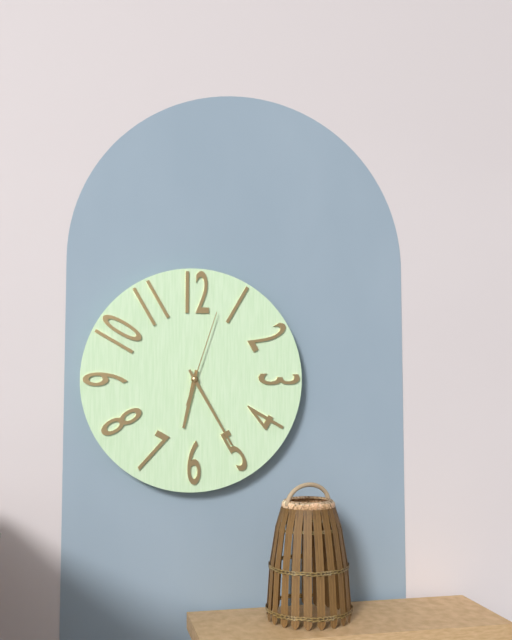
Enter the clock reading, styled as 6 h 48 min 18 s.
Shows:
6 h 25 min 03 s
